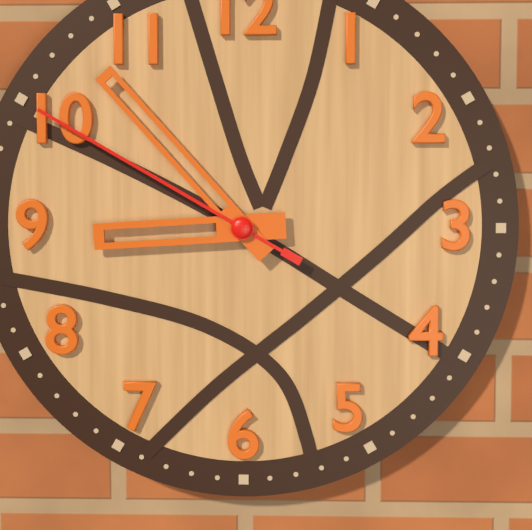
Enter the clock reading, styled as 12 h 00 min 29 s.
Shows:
8 h 53 min 50 s
